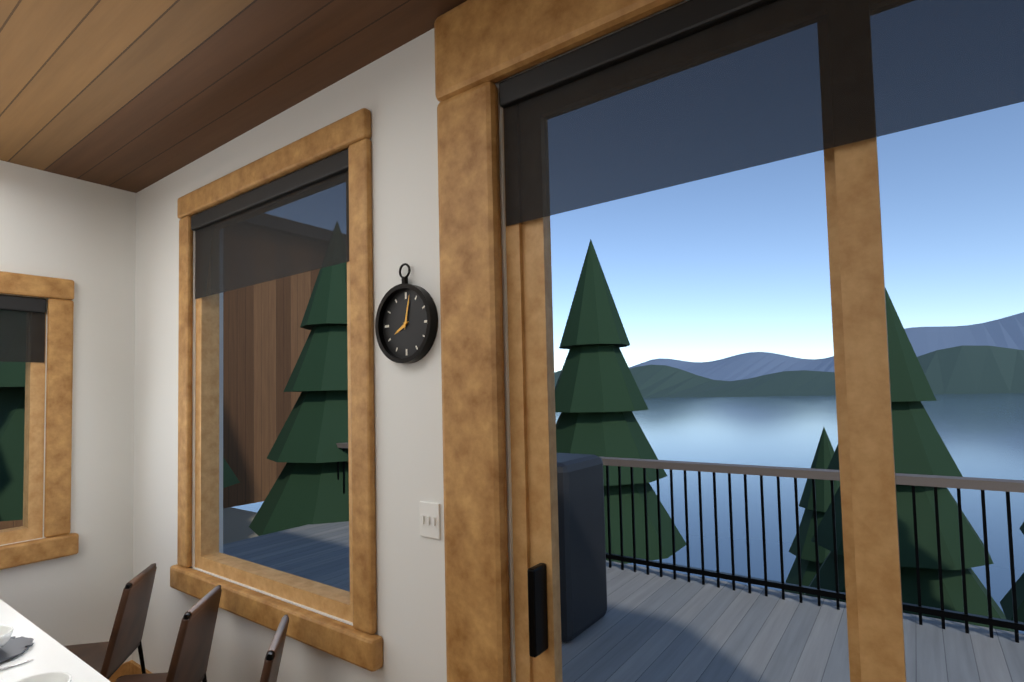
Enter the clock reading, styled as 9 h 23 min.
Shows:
8 h 02 min
